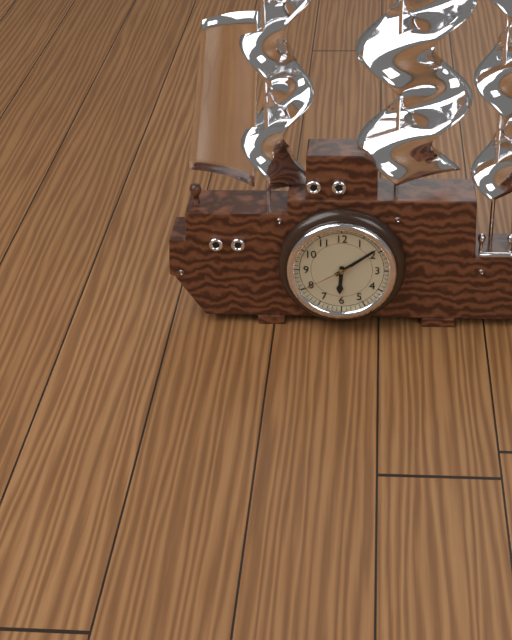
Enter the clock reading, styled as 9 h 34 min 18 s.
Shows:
6 h 09 min 40 s
